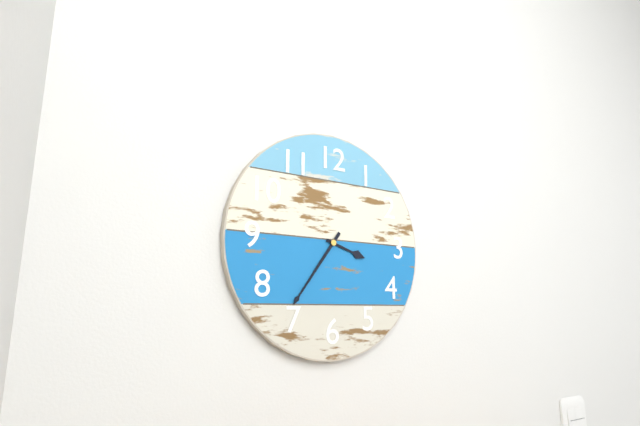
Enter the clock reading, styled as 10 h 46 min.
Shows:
3 h 36 min
